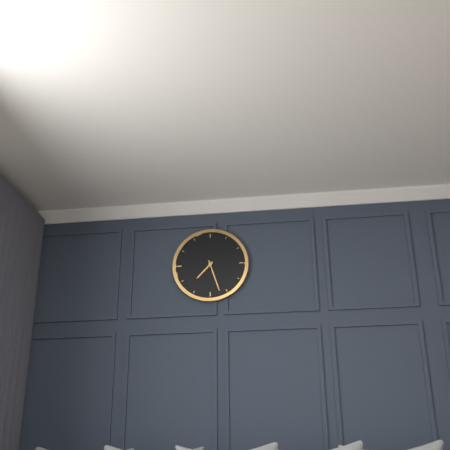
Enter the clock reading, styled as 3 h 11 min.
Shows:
7 h 27 min
